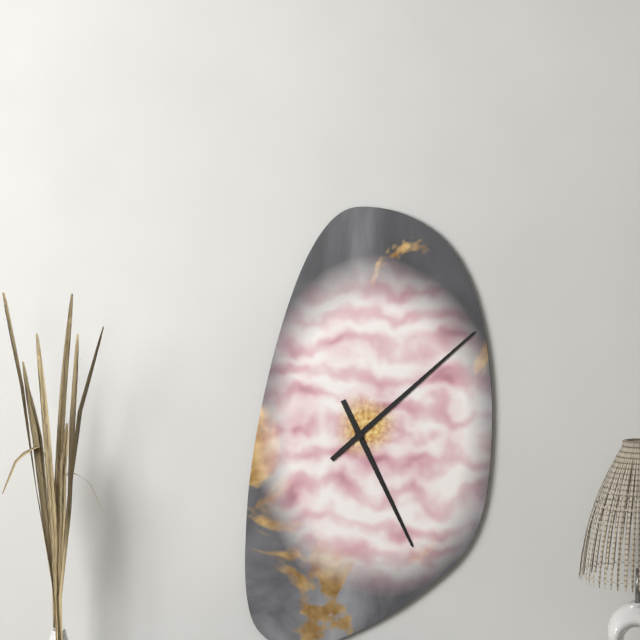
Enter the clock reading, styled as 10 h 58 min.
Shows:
5 h 08 min
